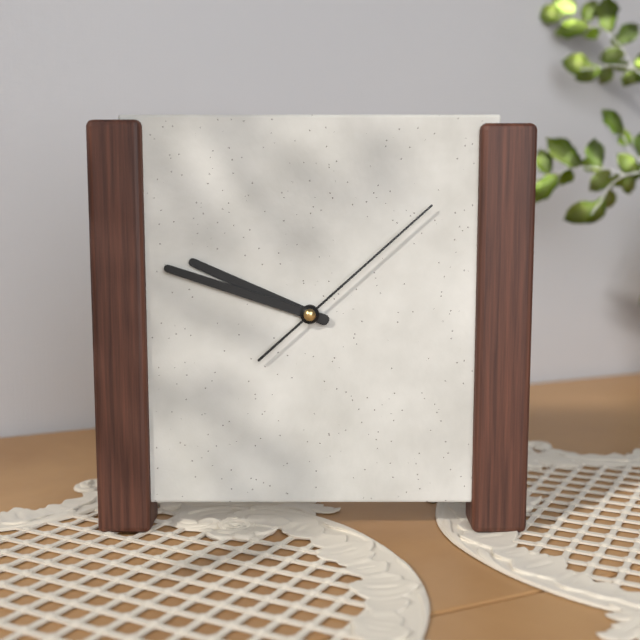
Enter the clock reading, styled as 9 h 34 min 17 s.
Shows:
9 h 48 min 08 s
